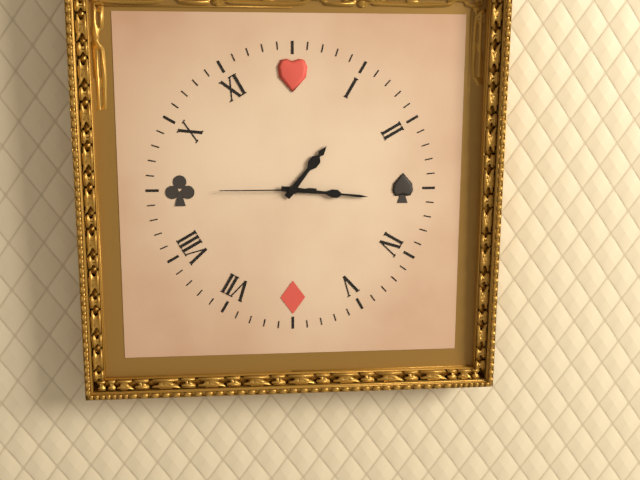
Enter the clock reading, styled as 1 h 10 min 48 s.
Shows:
1 h 16 min 45 s
